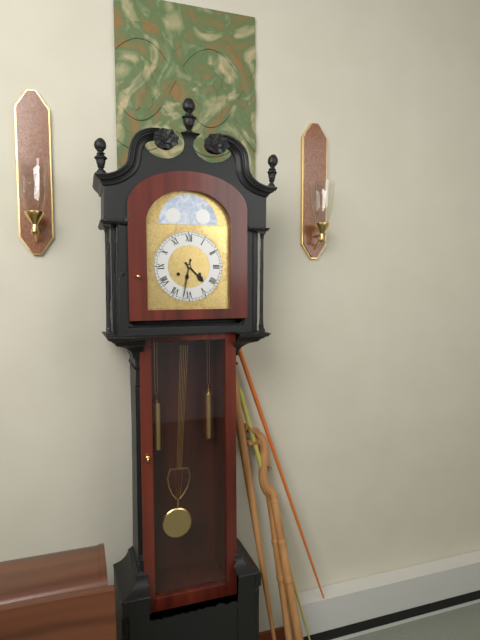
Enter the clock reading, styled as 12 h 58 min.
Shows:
4 h 32 min
